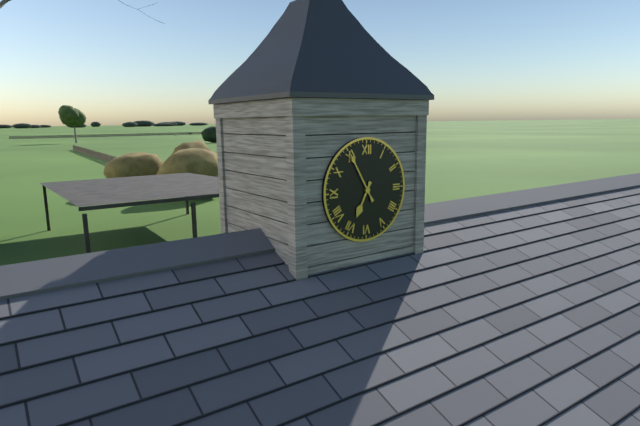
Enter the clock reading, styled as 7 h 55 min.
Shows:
6 h 55 min
